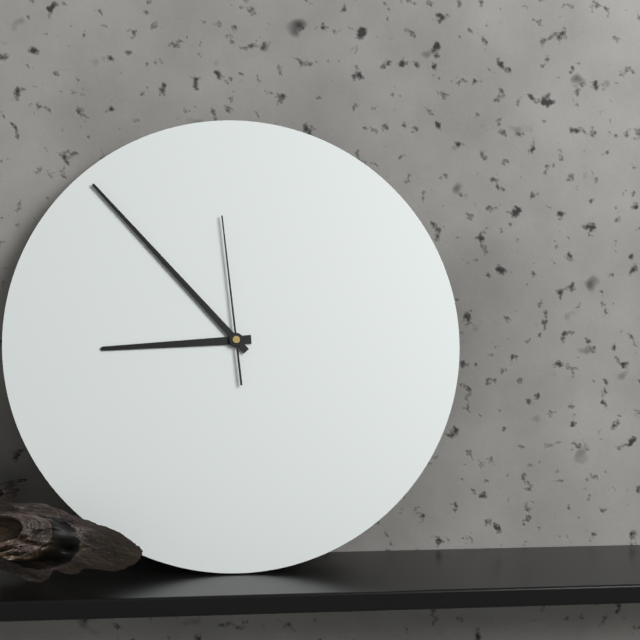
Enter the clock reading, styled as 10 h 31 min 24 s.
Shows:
8 h 53 min 59 s
